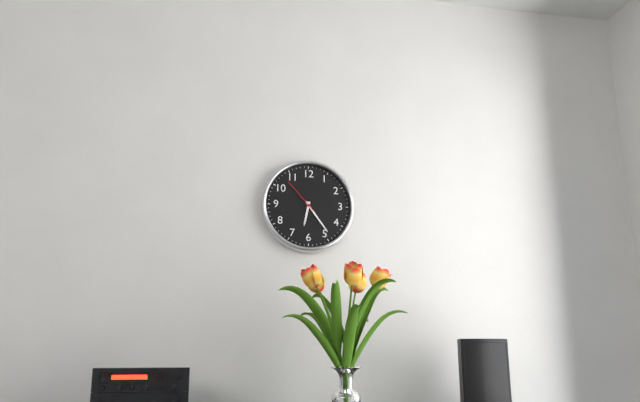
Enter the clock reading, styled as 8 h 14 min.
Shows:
6 h 24 min
